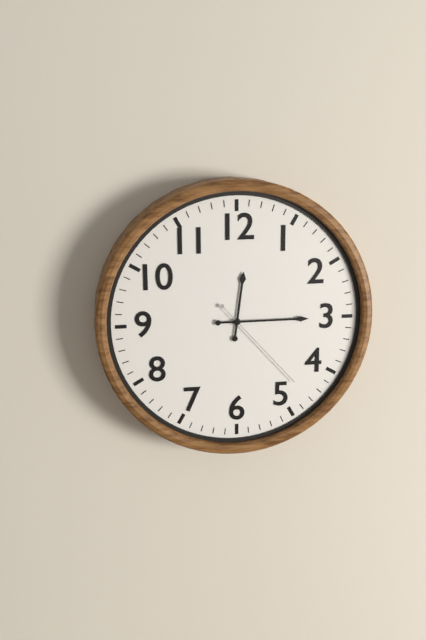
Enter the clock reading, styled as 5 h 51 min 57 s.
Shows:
12 h 15 min 23 s
